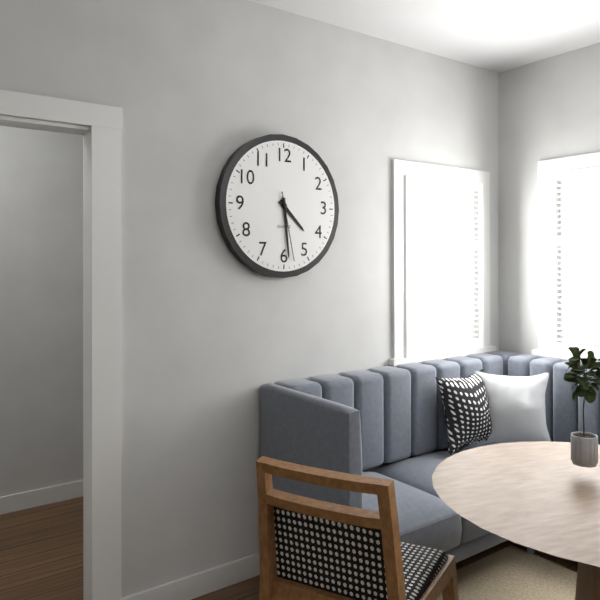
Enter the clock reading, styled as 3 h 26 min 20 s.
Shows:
4 h 29 min 28 s
